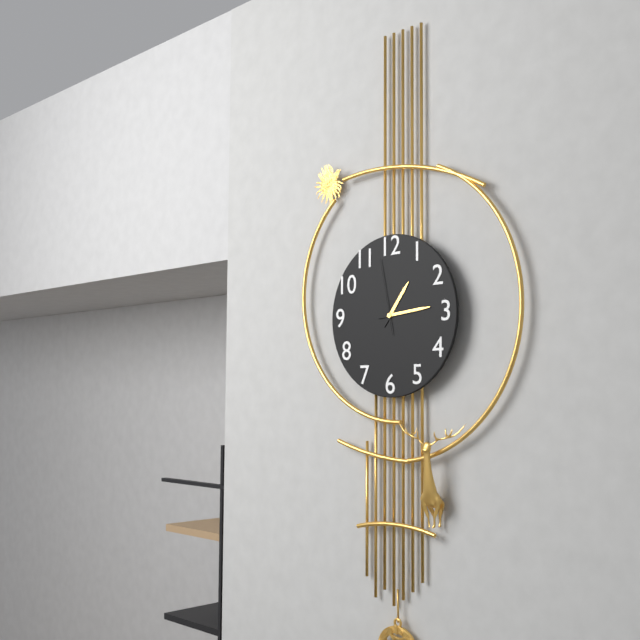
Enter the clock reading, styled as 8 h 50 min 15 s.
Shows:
1 h 14 min 58 s
